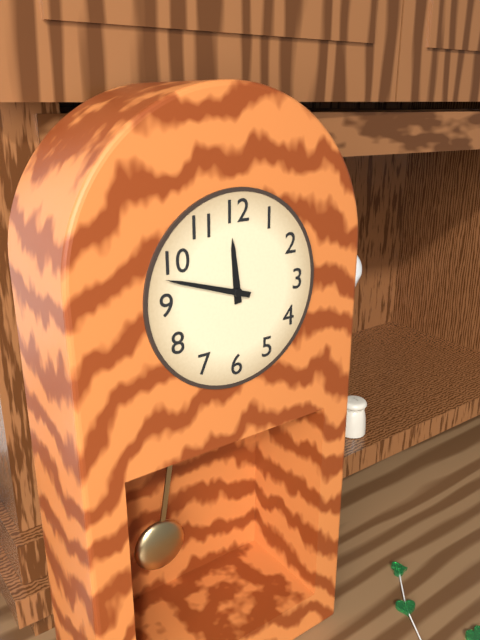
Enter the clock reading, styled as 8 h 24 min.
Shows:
11 h 48 min
